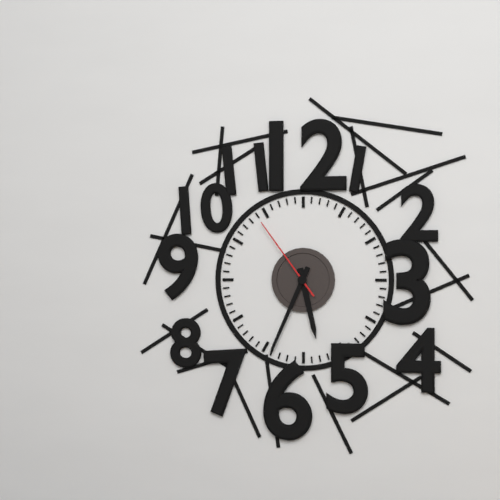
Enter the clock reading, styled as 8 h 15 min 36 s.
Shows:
5 h 34 min 54 s
